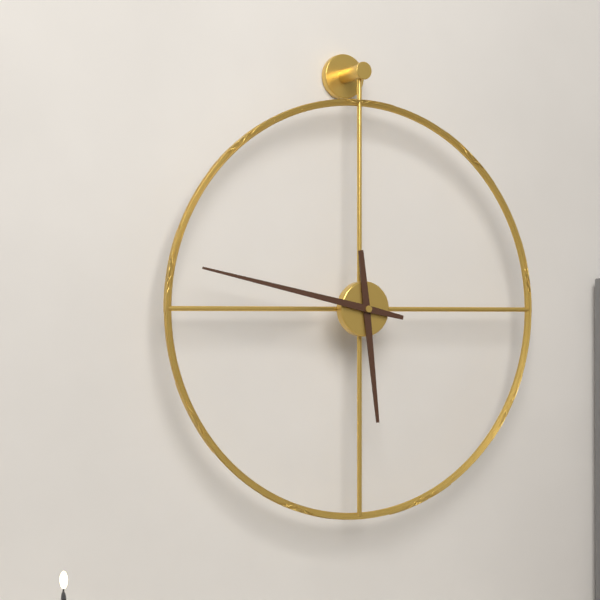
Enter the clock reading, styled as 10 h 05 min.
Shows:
5 h 47 min
